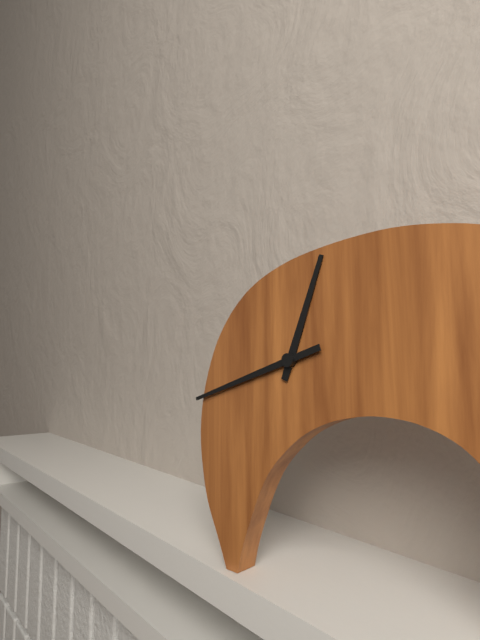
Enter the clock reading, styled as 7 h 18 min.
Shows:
12 h 42 min
